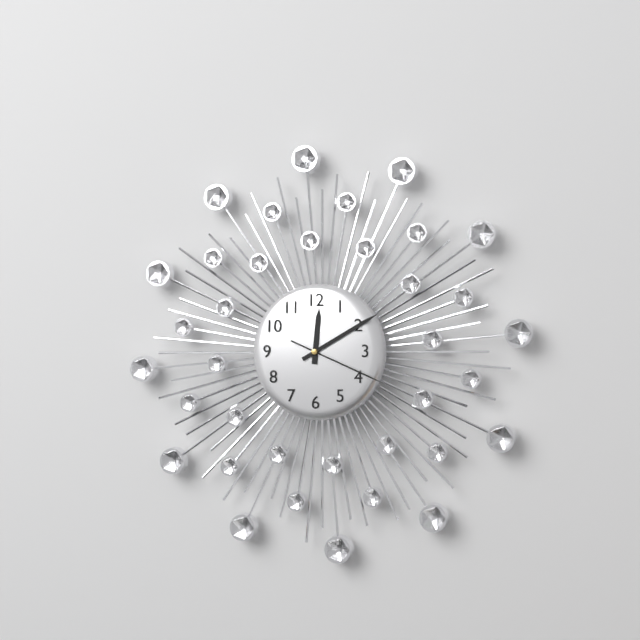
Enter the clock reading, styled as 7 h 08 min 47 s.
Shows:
12 h 10 min 19 s
